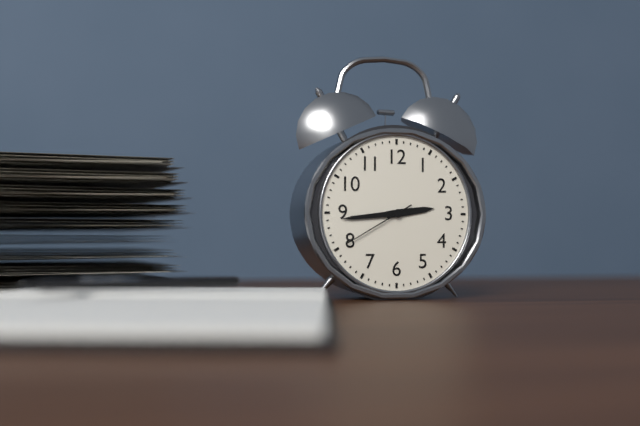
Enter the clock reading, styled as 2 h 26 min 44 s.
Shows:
2 h 44 min 40 s
